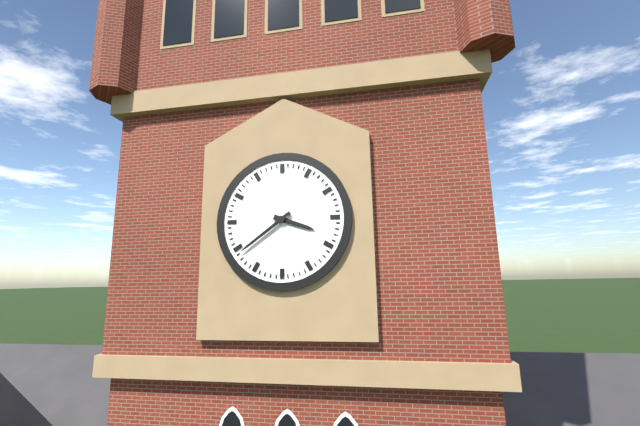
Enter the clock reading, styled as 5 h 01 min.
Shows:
3 h 39 min
